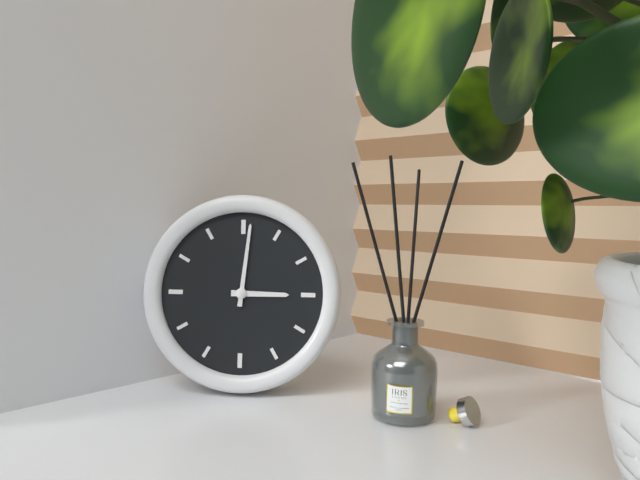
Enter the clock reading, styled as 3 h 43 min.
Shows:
3 h 01 min
